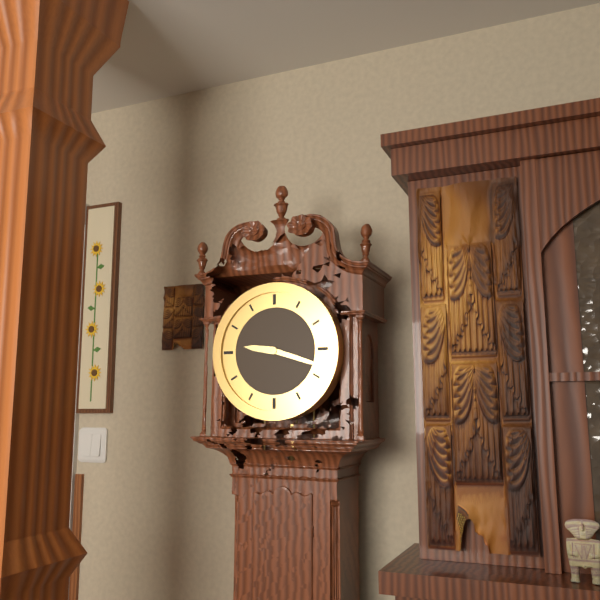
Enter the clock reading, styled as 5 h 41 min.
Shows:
9 h 18 min
